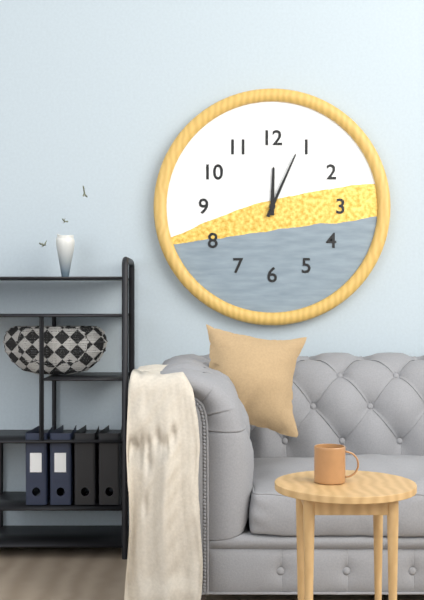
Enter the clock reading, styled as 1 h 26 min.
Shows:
12 h 04 min
